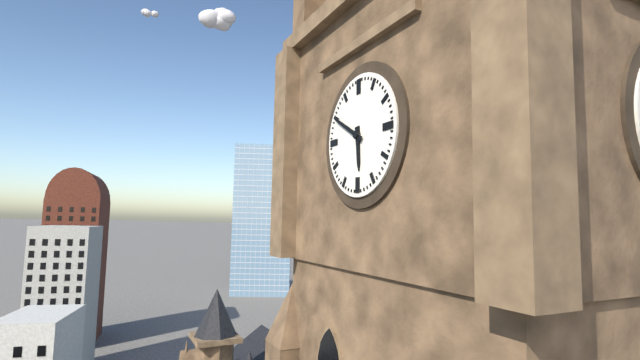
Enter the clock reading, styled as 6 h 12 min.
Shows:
5 h 50 min
